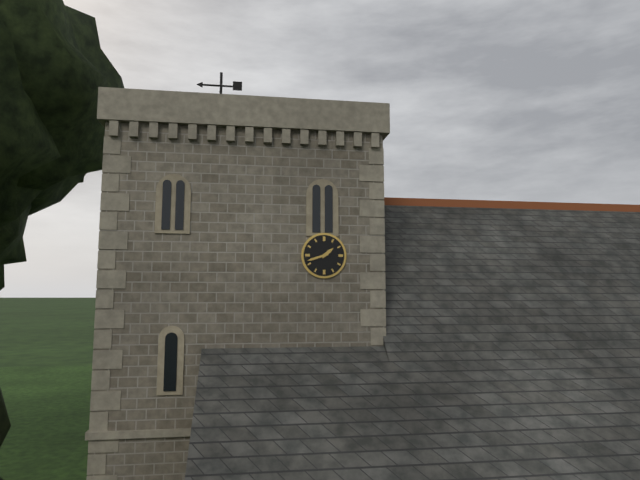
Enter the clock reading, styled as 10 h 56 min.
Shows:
1 h 42 min
